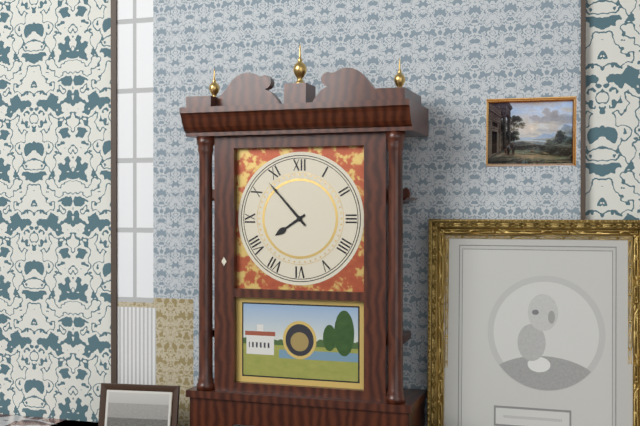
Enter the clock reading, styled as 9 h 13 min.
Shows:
7 h 53 min
